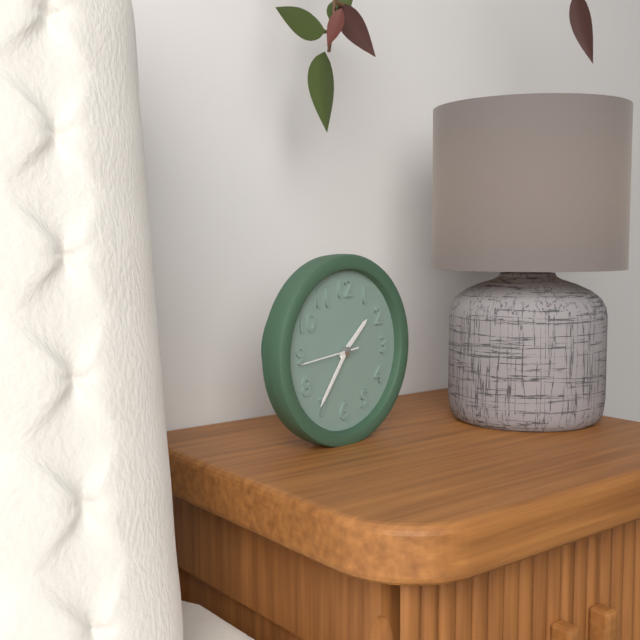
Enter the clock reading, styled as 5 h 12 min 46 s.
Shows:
1 h 36 min 44 s
